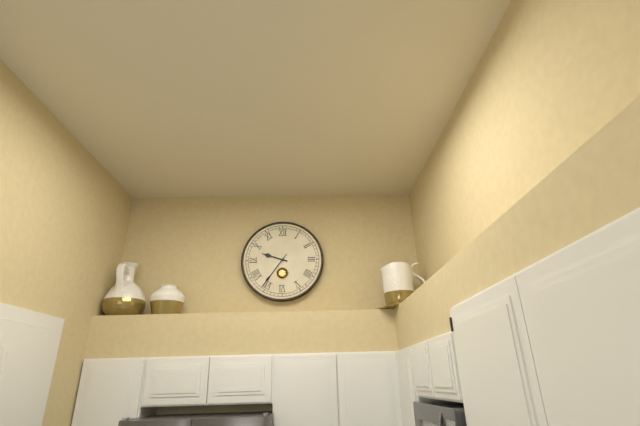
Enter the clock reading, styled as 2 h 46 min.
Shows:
9 h 36 min
